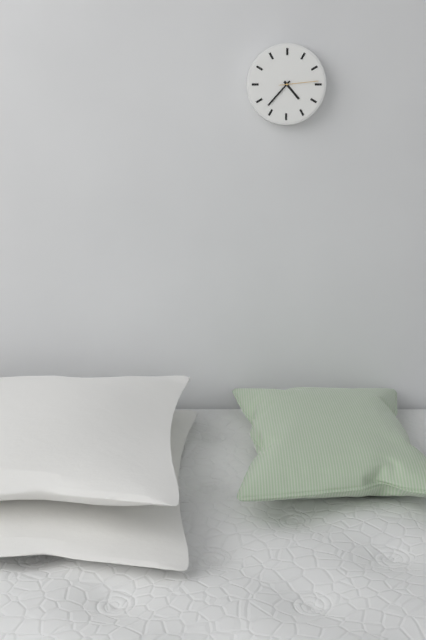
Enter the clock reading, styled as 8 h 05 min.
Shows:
4 h 37 min
